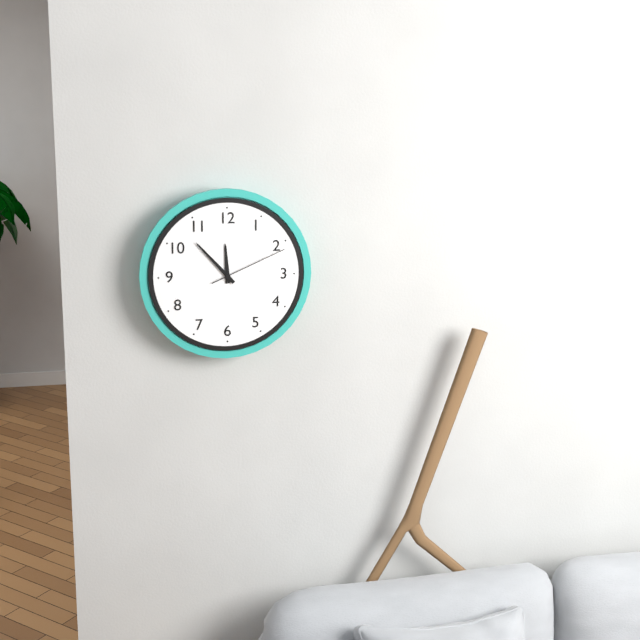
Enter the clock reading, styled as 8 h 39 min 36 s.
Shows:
11 h 53 min 11 s
